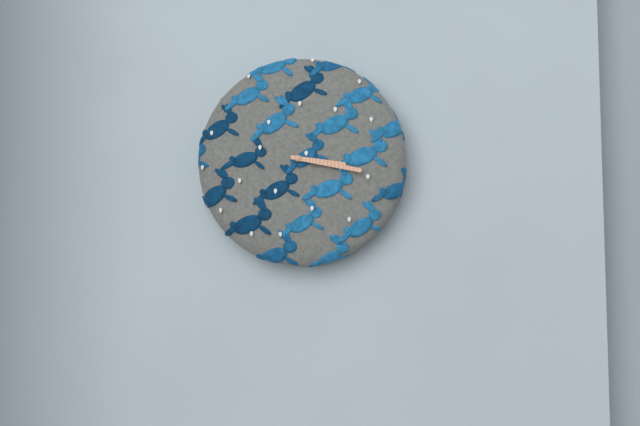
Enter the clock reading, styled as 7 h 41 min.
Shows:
3 h 17 min
